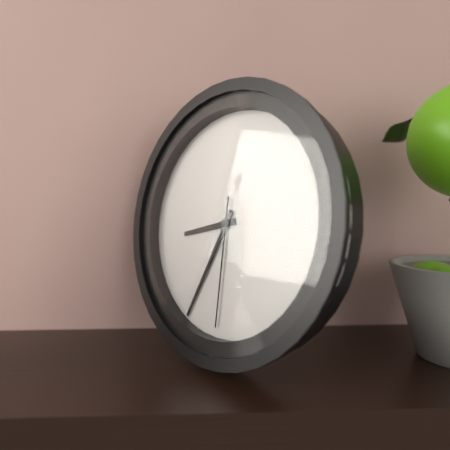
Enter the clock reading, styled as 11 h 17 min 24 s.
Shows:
8 h 34 min 30 s
